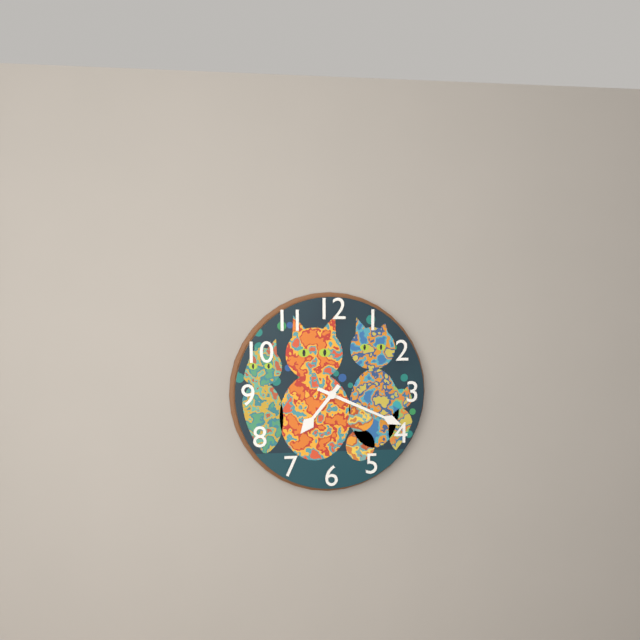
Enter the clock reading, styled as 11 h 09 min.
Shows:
7 h 19 min
